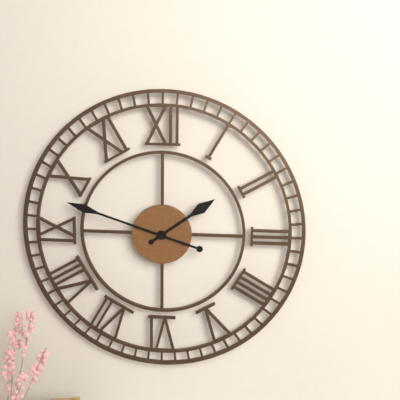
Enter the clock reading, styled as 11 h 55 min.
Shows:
1 h 48 min
